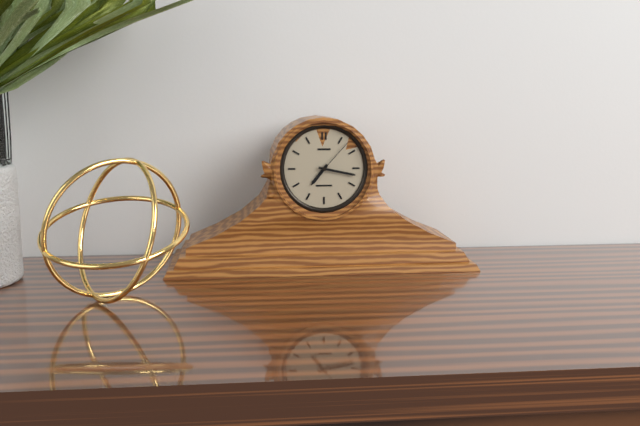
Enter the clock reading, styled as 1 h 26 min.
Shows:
7 h 17 min
